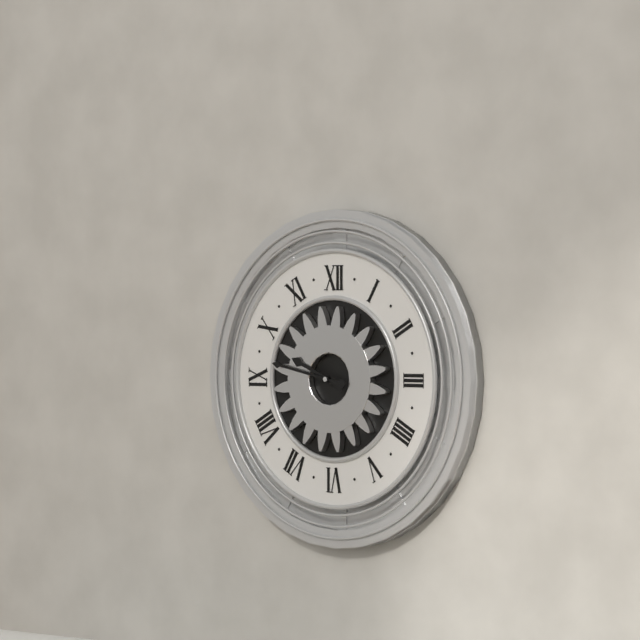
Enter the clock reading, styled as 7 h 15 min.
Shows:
9 h 47 min
